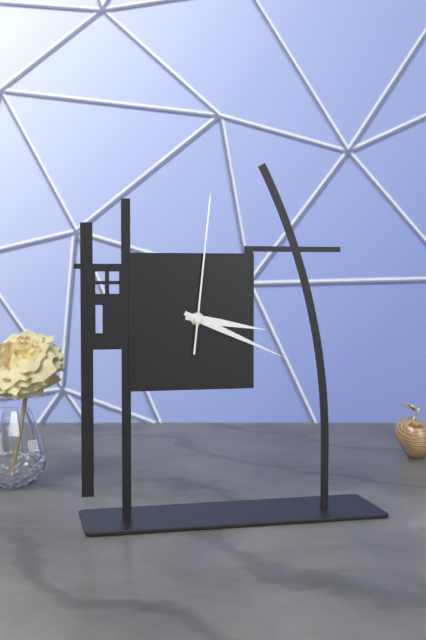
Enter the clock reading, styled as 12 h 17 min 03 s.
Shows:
3 h 19 min 01 s
